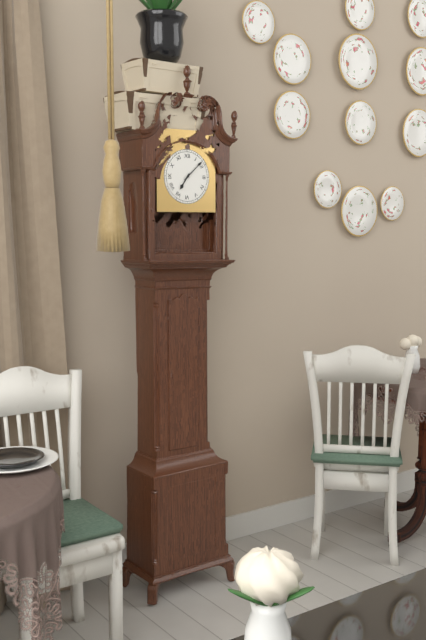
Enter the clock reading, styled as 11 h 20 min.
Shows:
7 h 08 min
